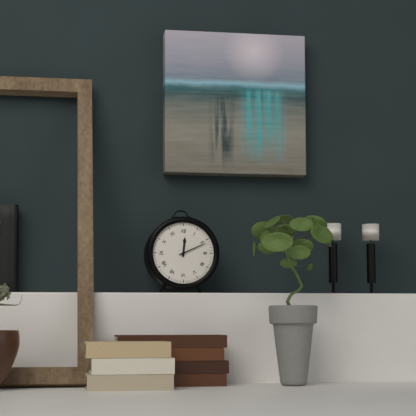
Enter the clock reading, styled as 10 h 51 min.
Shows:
12 h 11 min
